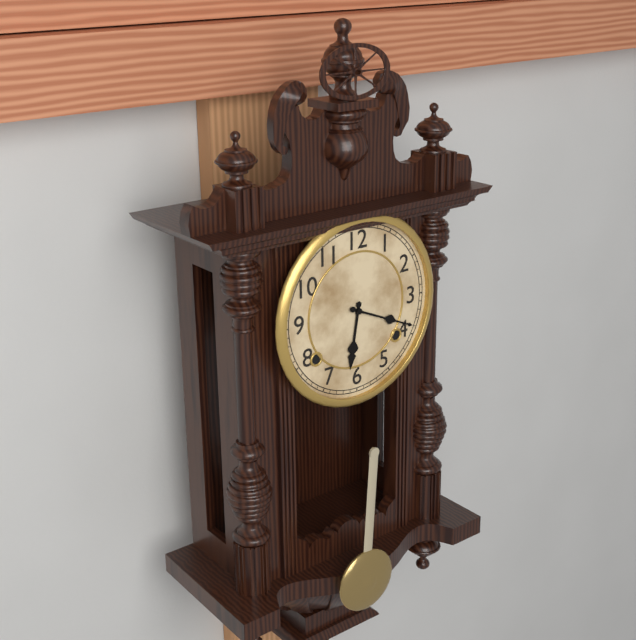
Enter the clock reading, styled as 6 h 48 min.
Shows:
6 h 19 min
